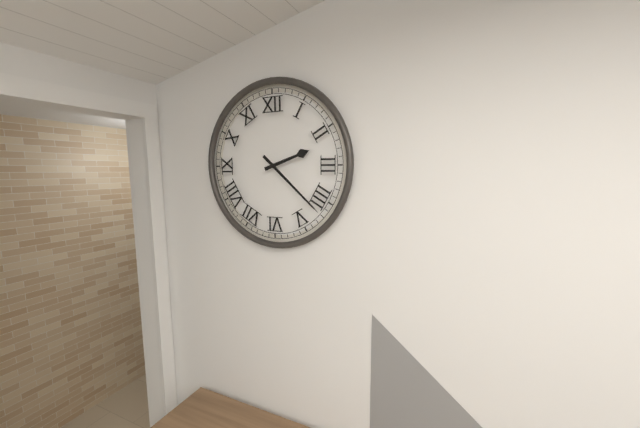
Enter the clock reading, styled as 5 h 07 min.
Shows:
2 h 22 min
